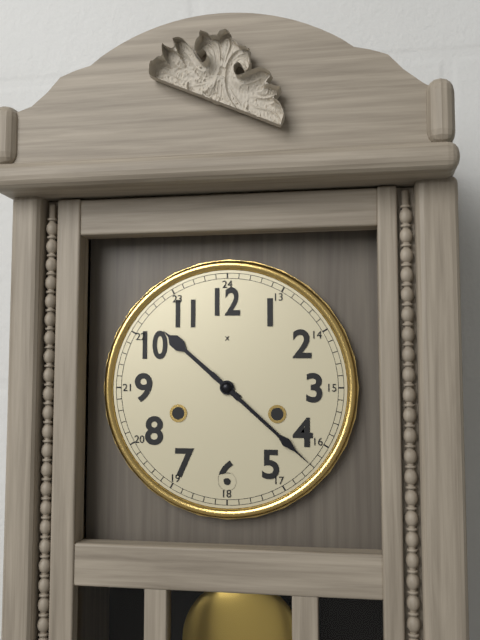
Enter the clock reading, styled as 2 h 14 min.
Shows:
10 h 22 min
